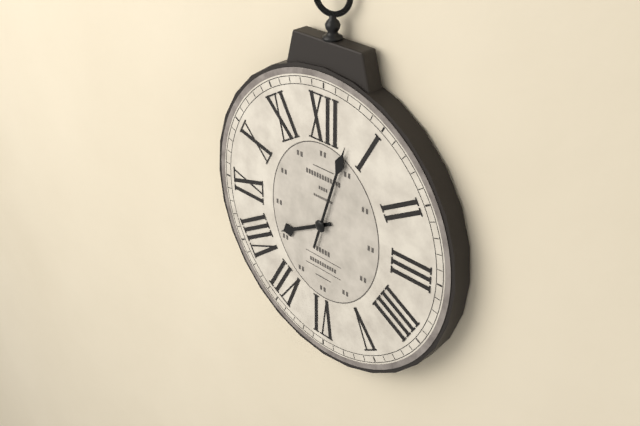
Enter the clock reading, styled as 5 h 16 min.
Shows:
8 h 03 min
